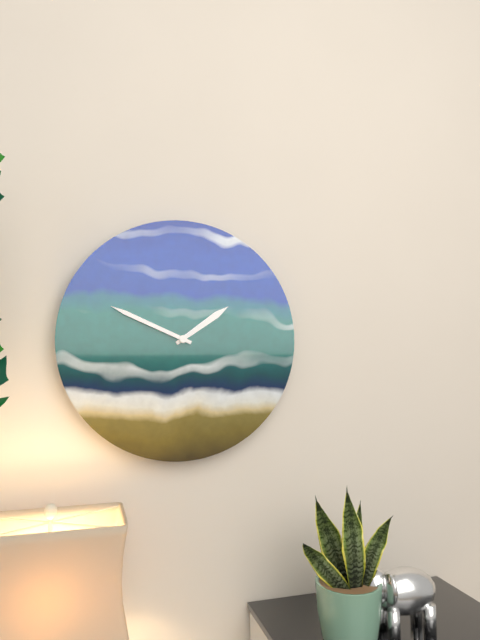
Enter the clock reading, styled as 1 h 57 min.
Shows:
1 h 49 min
